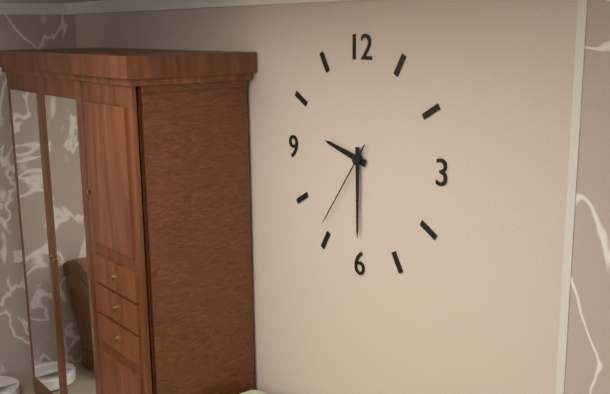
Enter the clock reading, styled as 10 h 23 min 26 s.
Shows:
9 h 30 min 36 s
